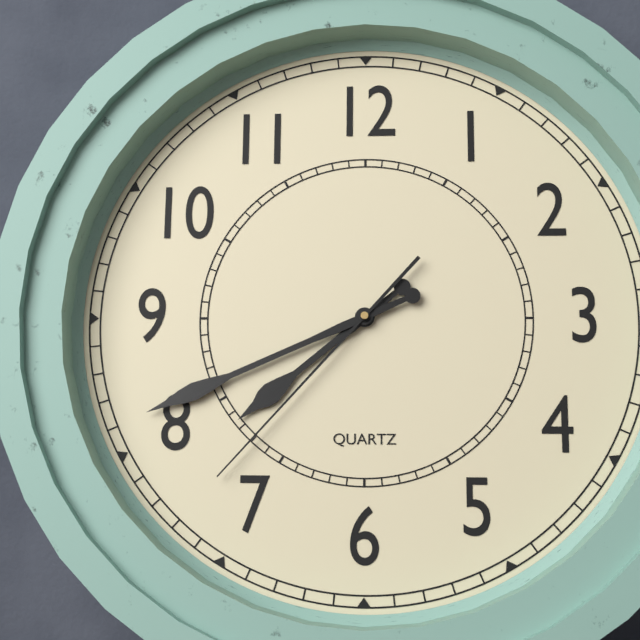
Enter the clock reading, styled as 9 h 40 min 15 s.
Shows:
7 h 41 min 37 s
